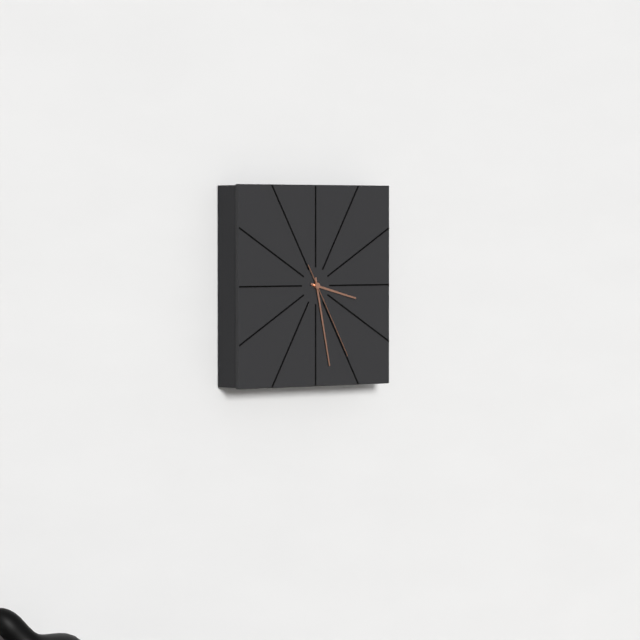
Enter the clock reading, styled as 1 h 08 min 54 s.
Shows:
3 h 28 min 25 s
